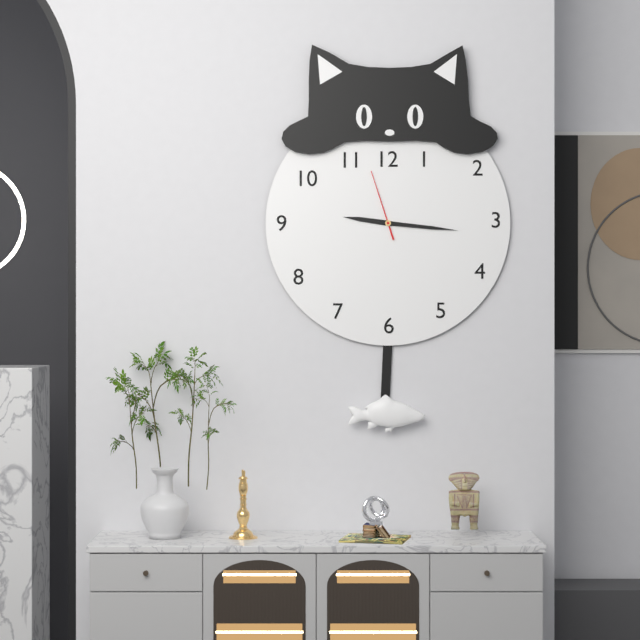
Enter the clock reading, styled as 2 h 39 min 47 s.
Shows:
9 h 16 min 57 s
